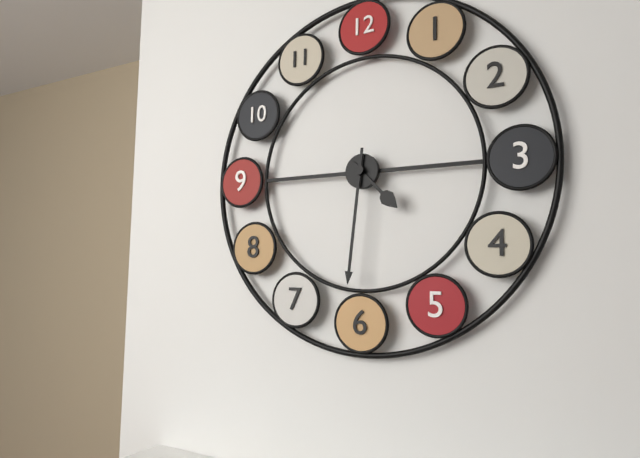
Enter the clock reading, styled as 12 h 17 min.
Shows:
4 h 31 min
